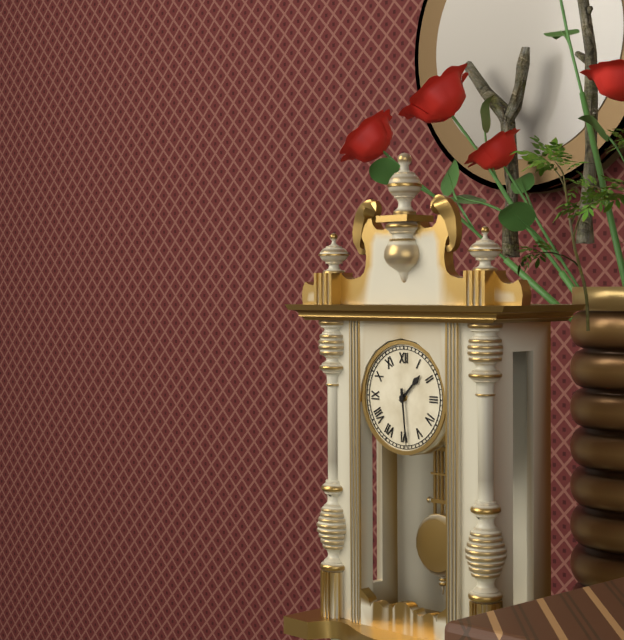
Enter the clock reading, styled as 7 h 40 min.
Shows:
1 h 29 min
